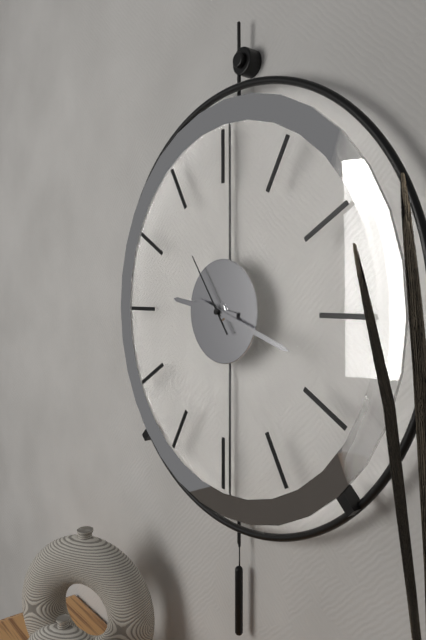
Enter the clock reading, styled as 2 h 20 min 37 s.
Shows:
9 h 18 min 54 s
